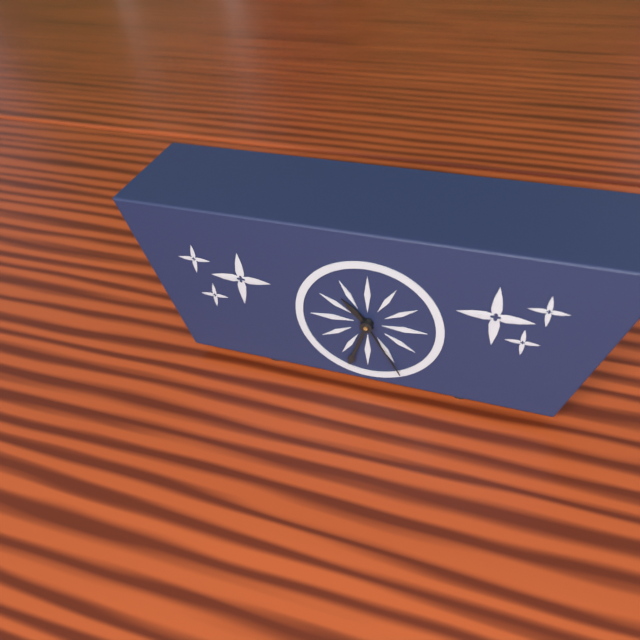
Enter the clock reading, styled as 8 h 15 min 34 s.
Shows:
10 h 33 min 25 s
